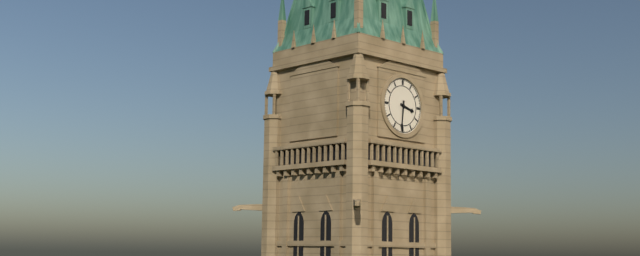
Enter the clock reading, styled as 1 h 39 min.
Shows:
3 h 31 min
